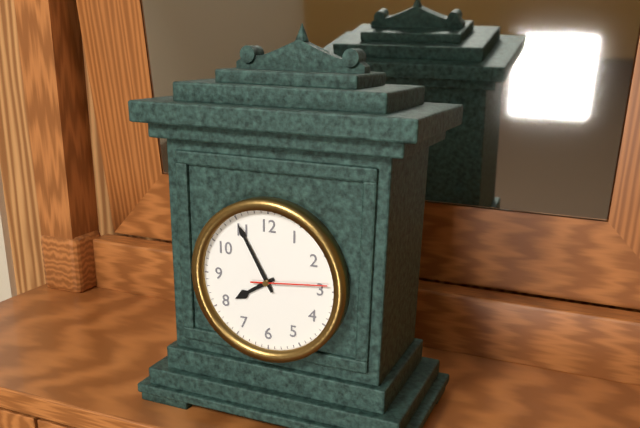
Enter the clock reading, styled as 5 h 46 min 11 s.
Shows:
7 h 55 min 14 s
